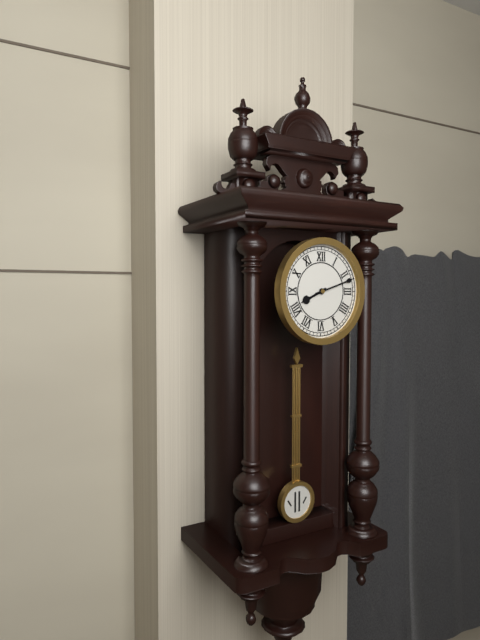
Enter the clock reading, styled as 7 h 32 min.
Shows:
8 h 12 min
